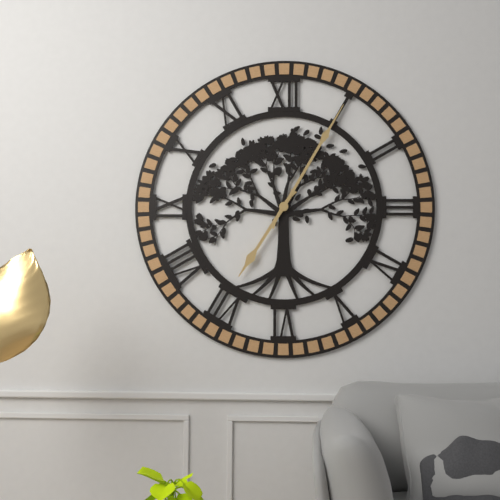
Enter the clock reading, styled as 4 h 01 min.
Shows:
7 h 05 min
